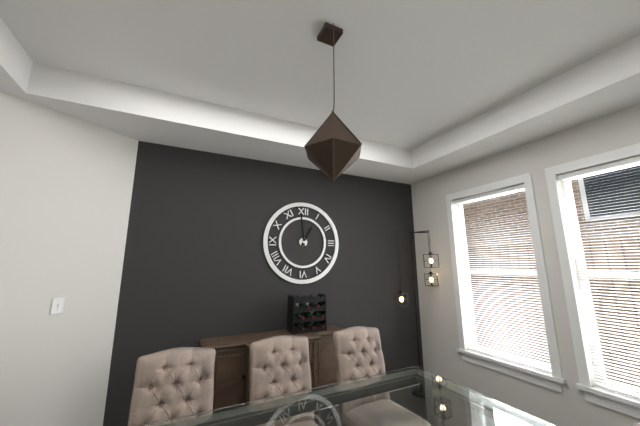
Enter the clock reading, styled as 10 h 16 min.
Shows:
12 h 59 min
